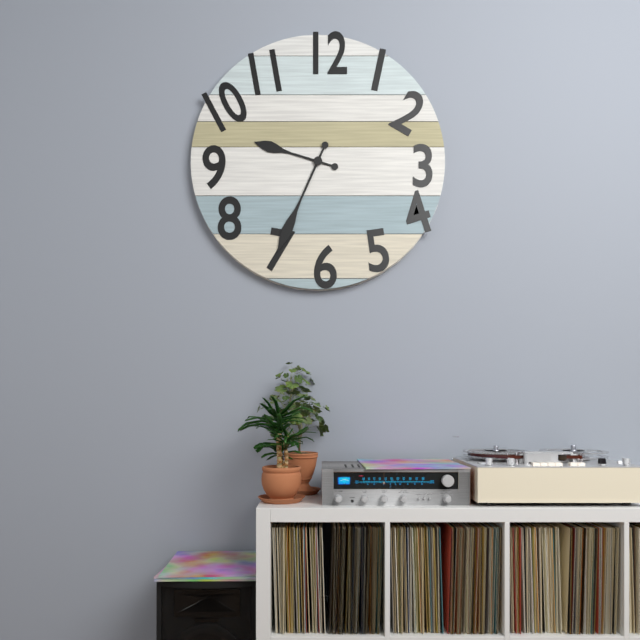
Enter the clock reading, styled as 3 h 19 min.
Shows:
9 h 34 min
